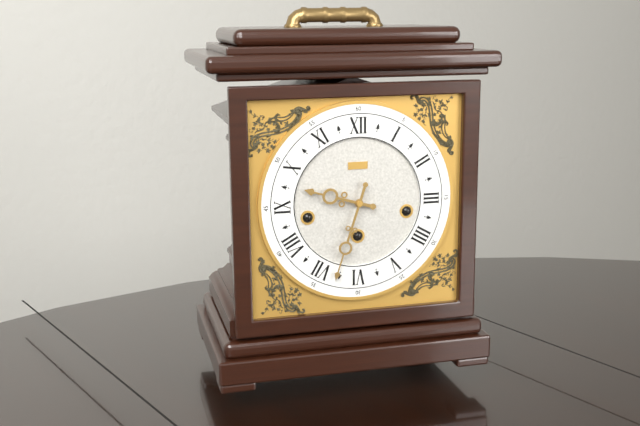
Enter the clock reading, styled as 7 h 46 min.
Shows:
9 h 33 min
